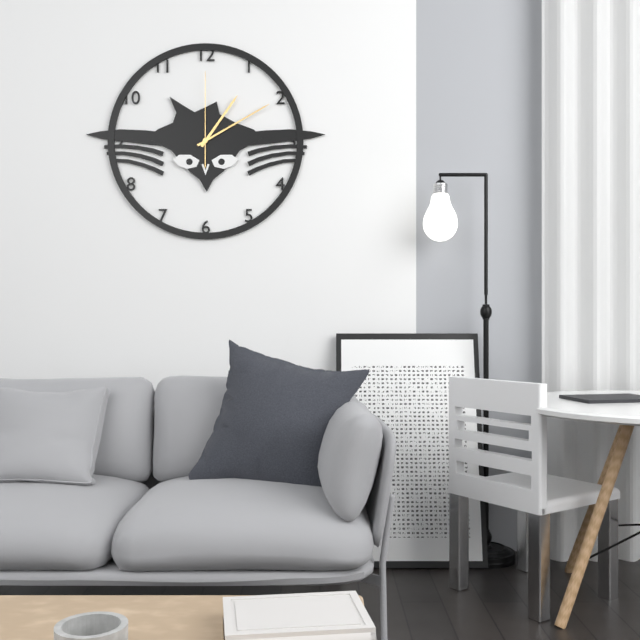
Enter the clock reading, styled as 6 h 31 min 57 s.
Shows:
1 h 10 min 00 s
